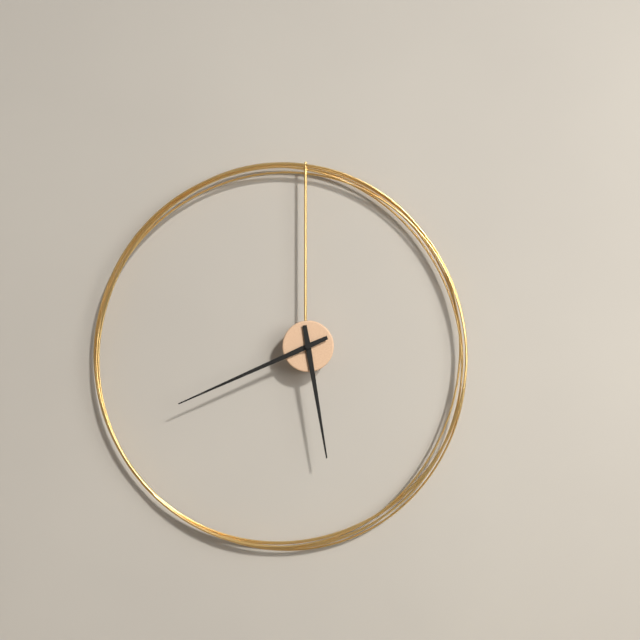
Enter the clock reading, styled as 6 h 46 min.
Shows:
5 h 41 min
